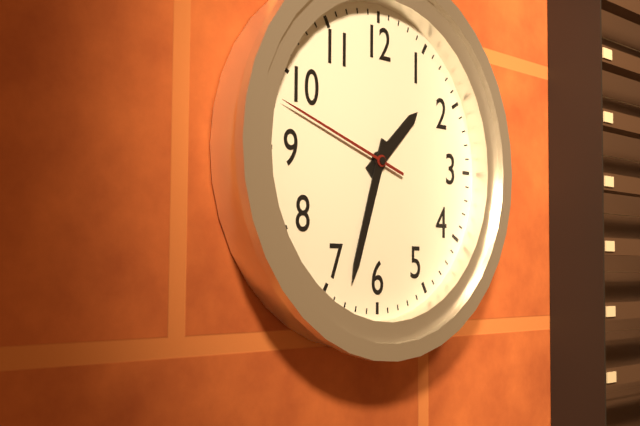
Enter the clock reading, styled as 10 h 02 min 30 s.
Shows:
1 h 33 min 48 s
